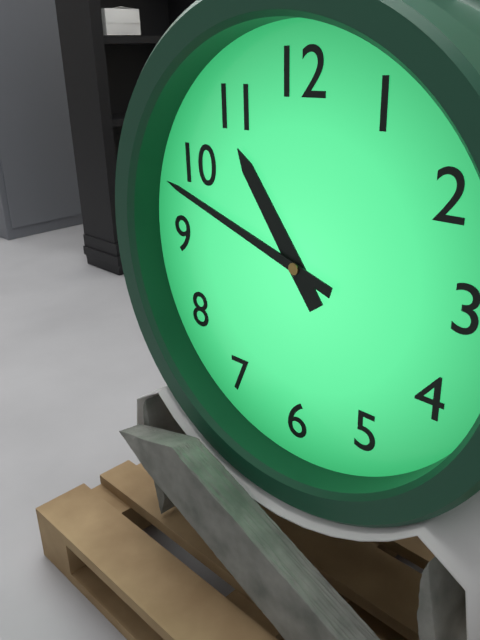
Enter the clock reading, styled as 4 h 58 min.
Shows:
10 h 48 min
